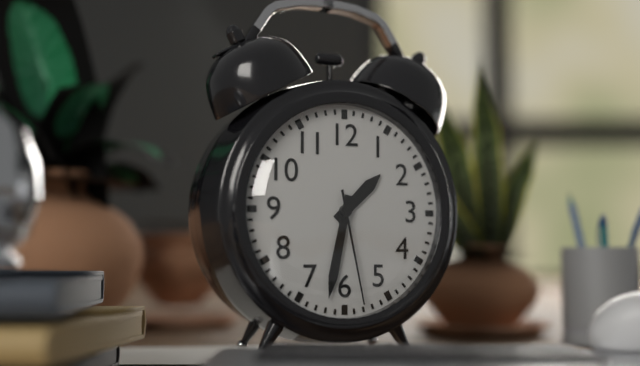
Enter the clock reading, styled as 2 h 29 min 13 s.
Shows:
1 h 32 min 28 s
